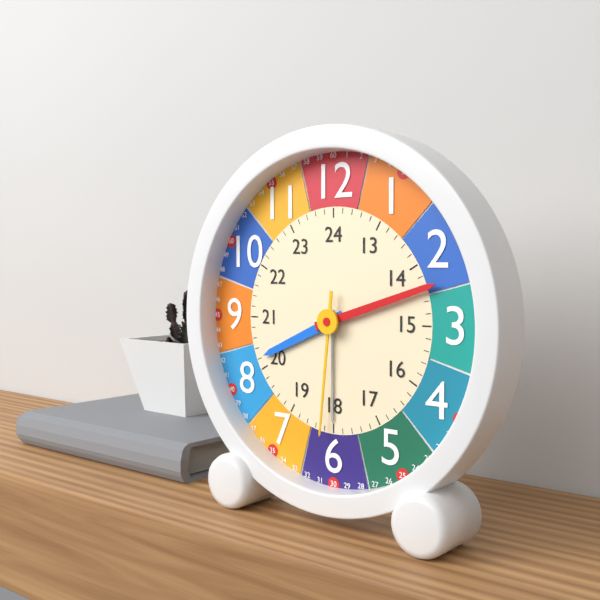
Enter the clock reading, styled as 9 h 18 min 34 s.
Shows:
8 h 12 min 31 s
